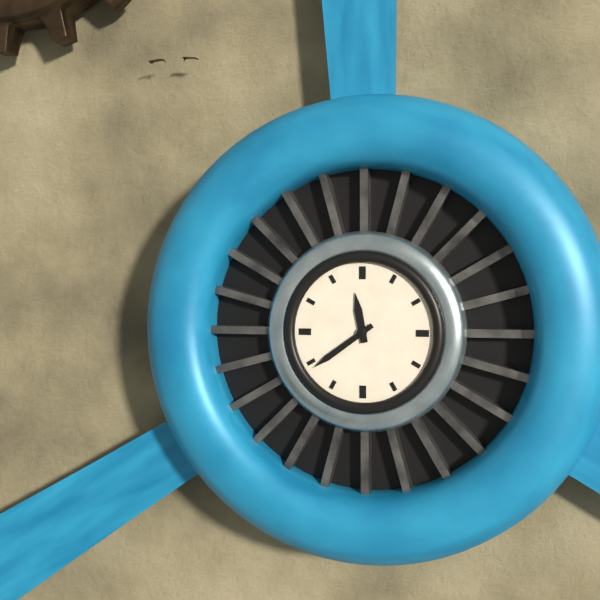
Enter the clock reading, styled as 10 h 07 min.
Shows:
11 h 39 min
